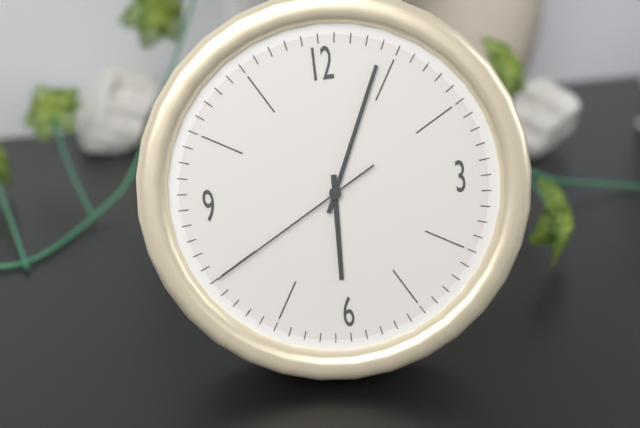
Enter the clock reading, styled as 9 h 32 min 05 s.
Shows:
6 h 04 min 40 s
